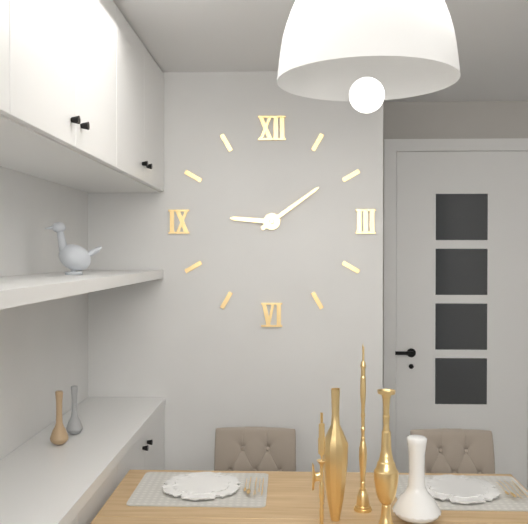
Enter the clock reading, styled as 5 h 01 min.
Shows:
9 h 09 min
